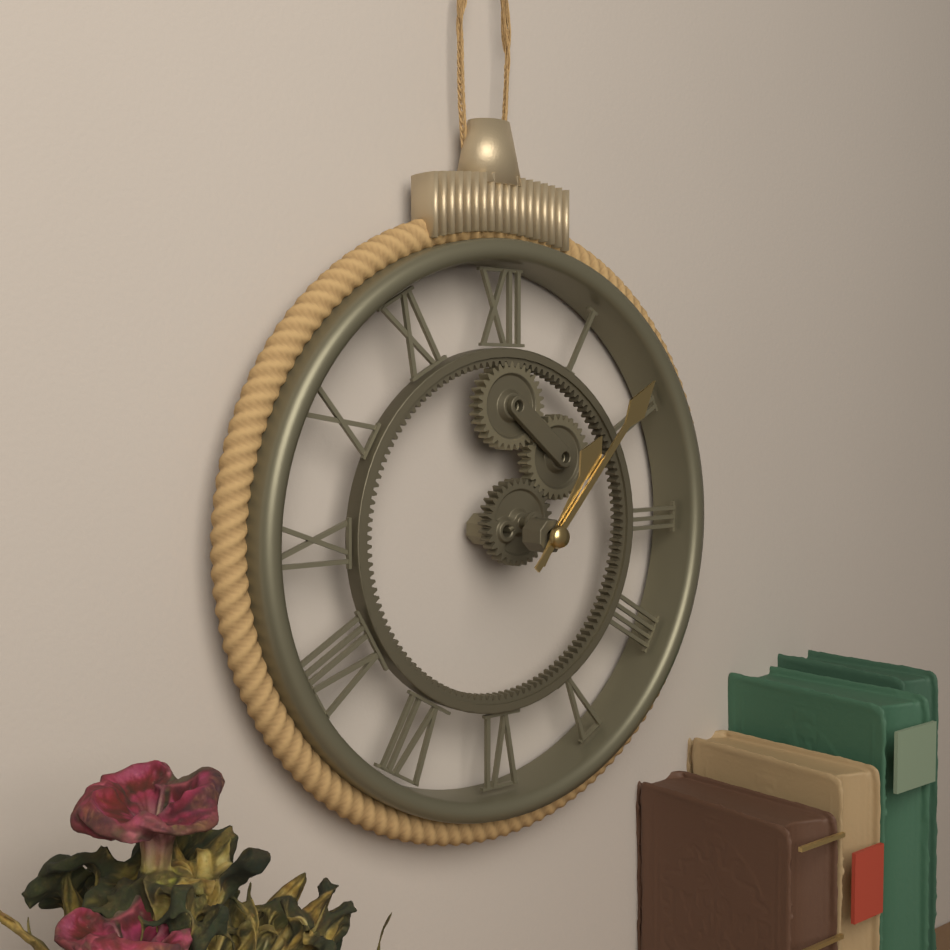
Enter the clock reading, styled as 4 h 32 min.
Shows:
1 h 07 min
